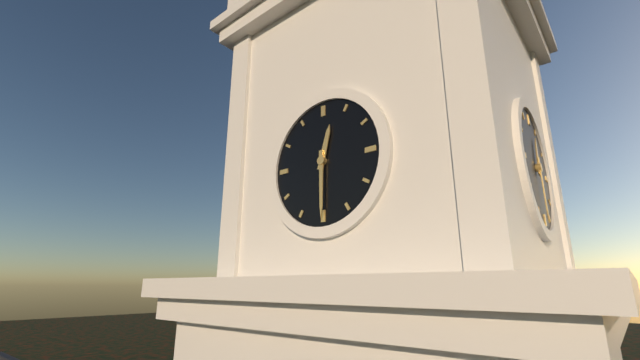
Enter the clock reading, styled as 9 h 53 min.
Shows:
12 h 30 min
